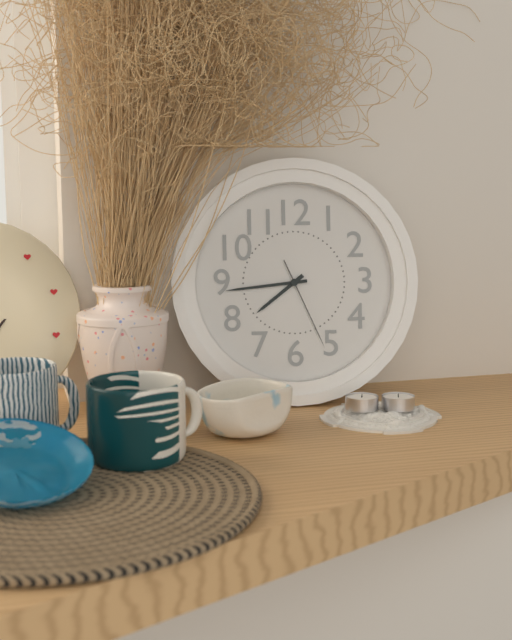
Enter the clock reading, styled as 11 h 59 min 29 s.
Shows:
7 h 44 min 26 s
